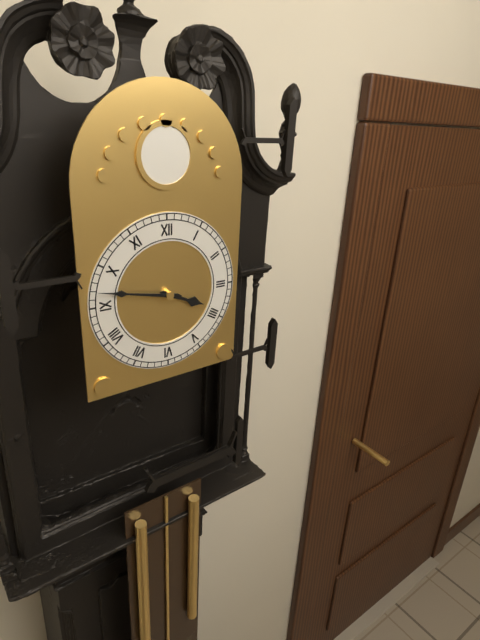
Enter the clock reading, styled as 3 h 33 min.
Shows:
3 h 47 min
